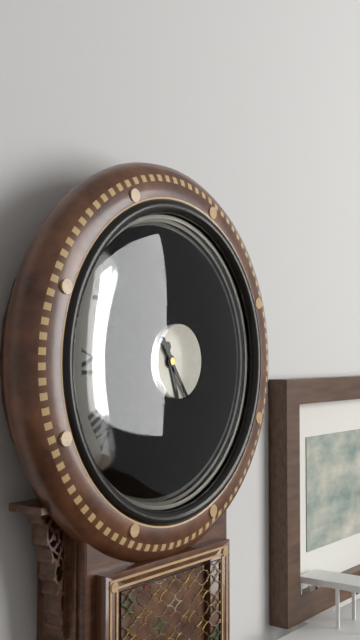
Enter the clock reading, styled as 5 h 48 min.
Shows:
5 h 24 min
